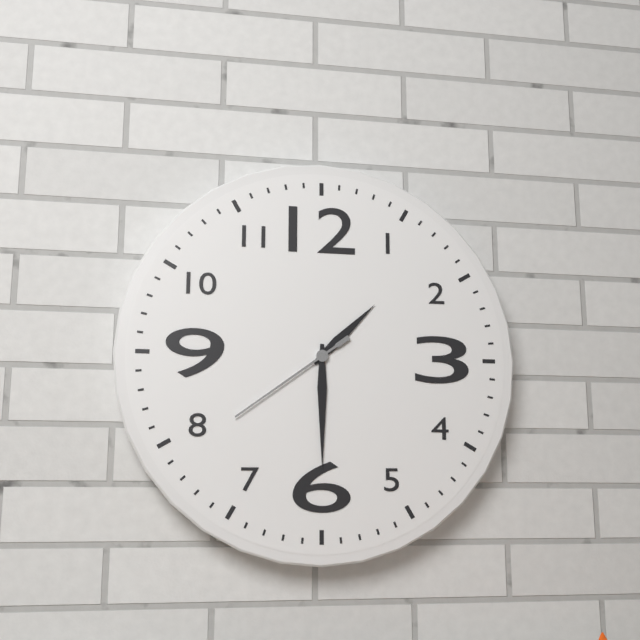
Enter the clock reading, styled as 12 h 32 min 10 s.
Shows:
1 h 30 min 39 s
